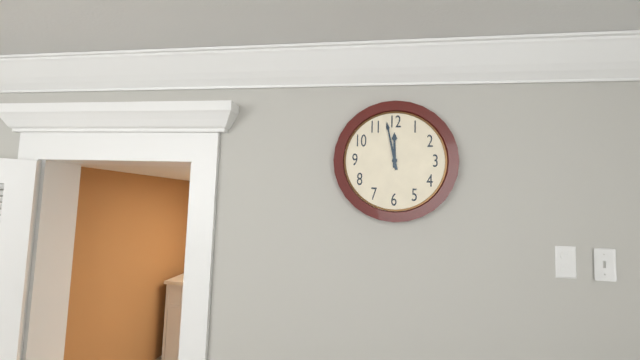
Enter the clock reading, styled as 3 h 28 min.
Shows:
11 h 58 min
